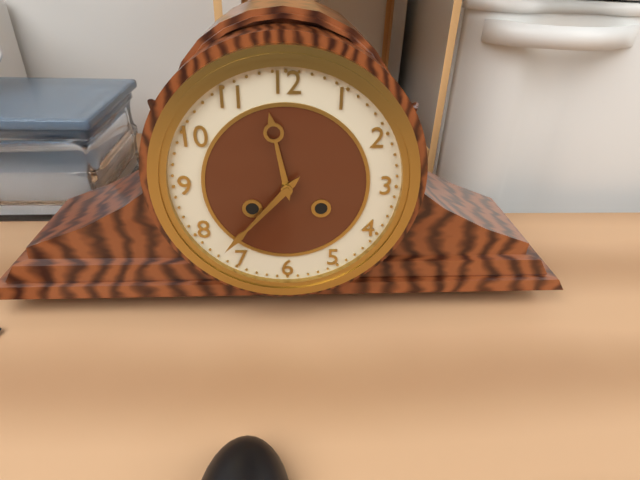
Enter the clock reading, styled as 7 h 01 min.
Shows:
11 h 37 min
